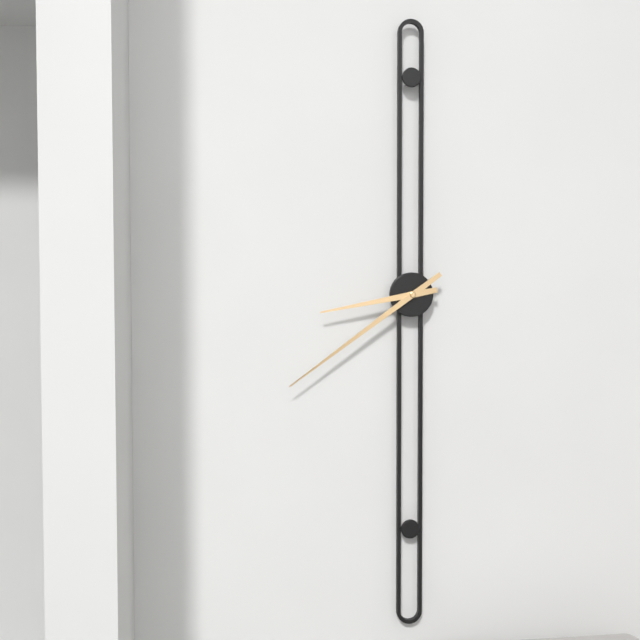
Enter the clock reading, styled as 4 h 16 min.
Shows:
8 h 39 min
